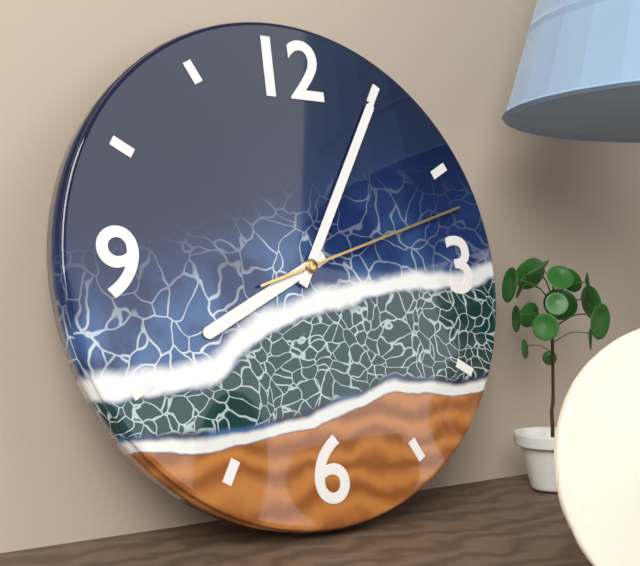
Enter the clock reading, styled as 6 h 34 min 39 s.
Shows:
8 h 05 min 12 s
